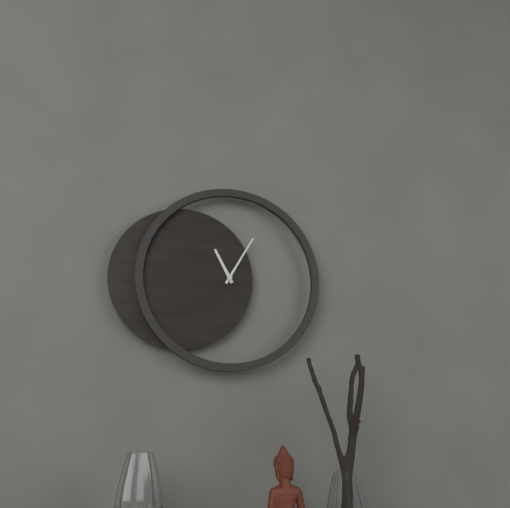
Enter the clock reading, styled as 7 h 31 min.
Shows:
11 h 05 min
